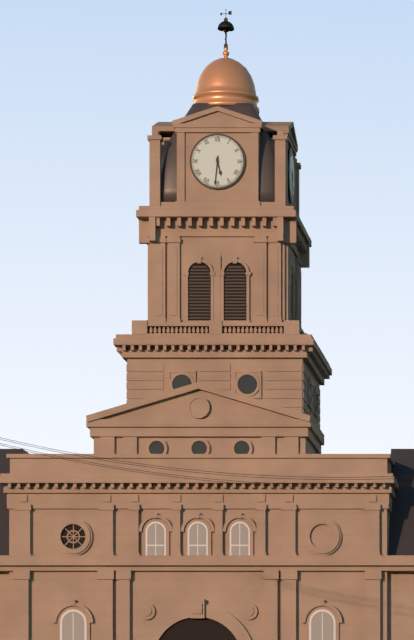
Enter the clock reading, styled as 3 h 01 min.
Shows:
5 h 31 min
